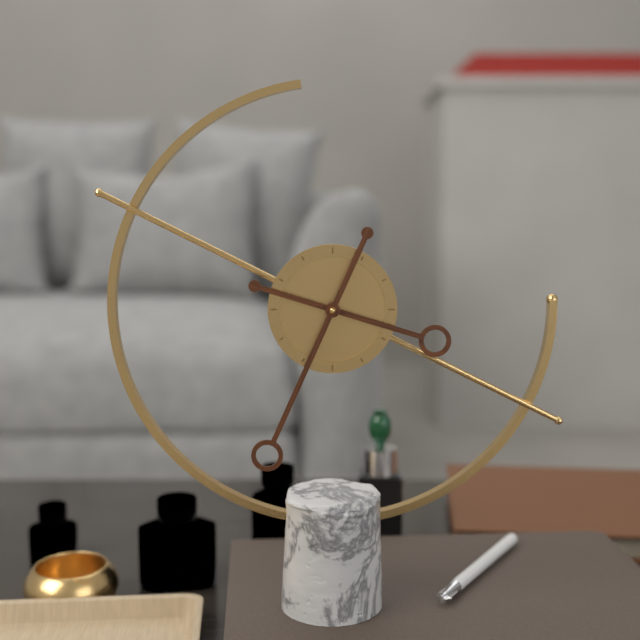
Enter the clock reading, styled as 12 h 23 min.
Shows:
3 h 34 min
